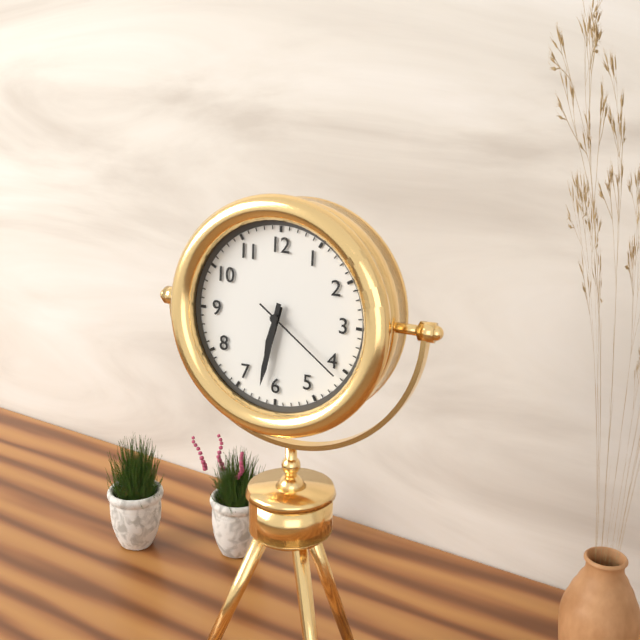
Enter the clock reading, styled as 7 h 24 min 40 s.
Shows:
6 h 32 min 21 s
